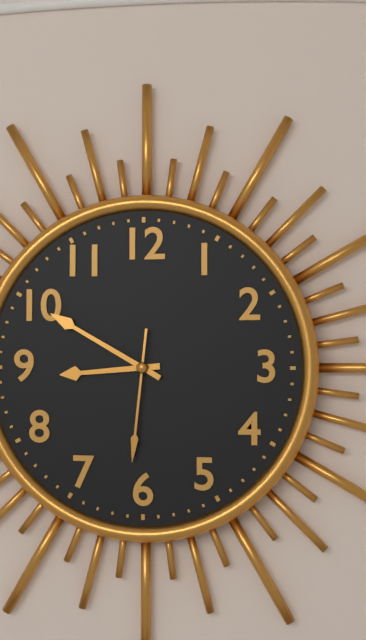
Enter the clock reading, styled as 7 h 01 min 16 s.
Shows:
8 h 50 min 31 s
